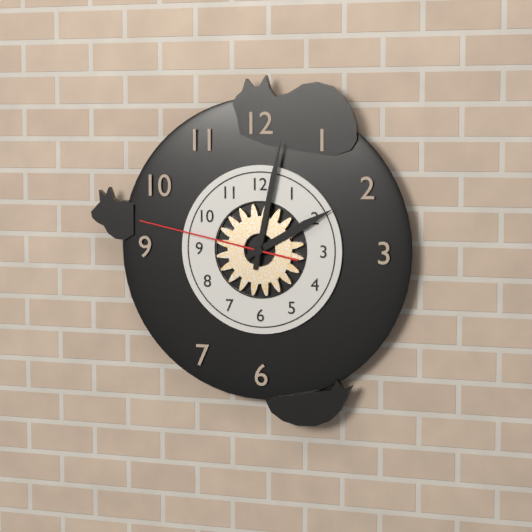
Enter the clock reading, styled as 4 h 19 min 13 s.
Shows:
2 h 02 min 47 s
